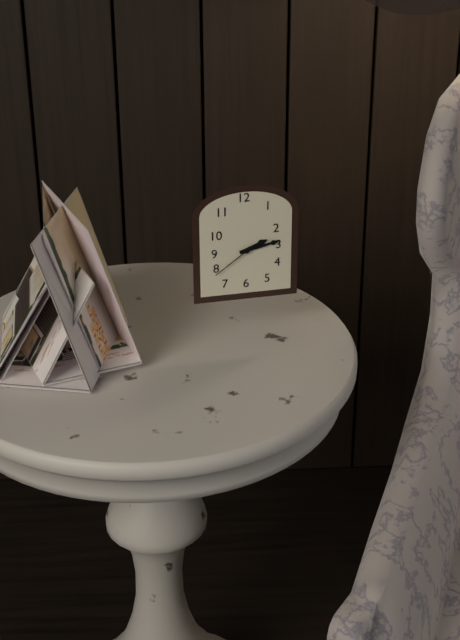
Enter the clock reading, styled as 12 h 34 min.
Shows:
2 h 13 min
